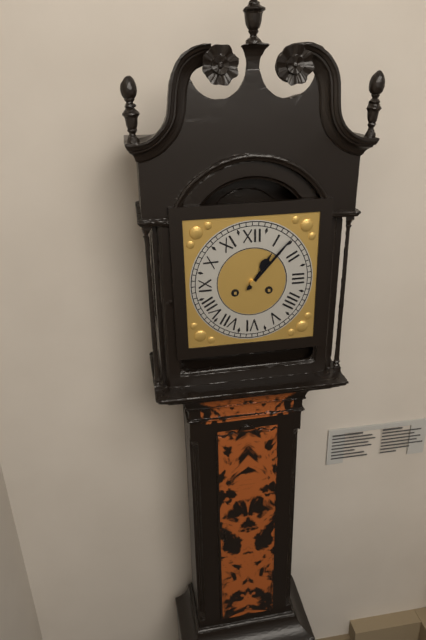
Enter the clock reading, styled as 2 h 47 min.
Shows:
1 h 07 min
